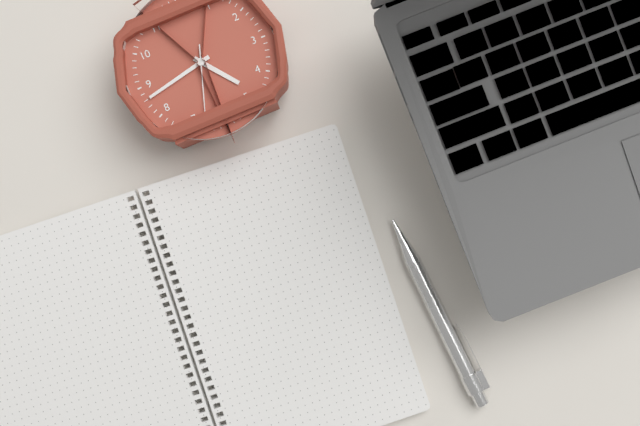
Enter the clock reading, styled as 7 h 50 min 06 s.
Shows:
4 h 43 min 33 s
